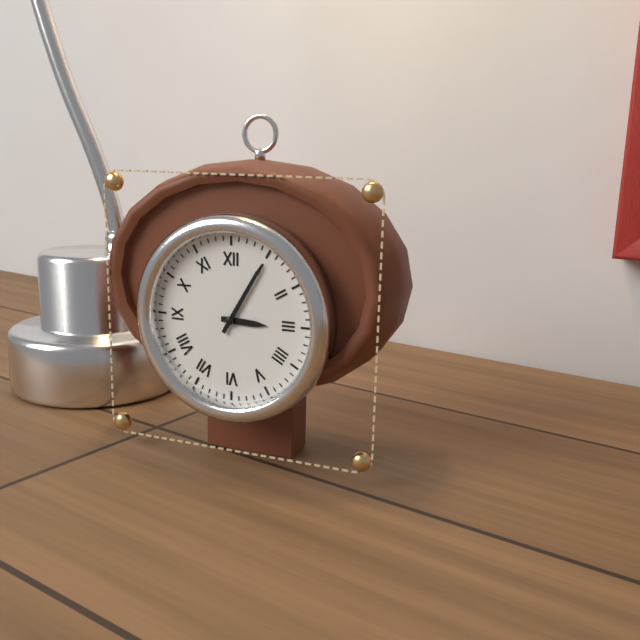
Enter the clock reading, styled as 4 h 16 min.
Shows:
3 h 05 min
